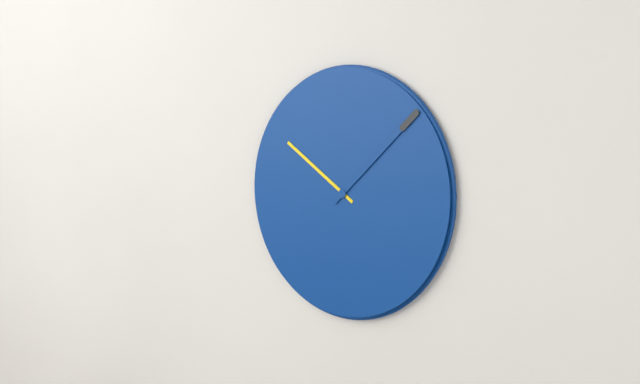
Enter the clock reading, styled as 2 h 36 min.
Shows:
10 h 08 min
